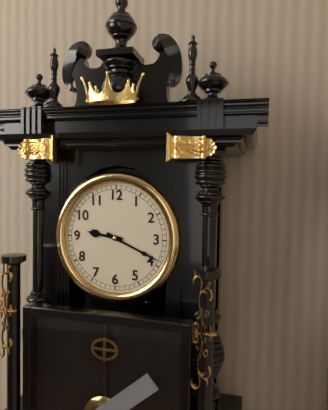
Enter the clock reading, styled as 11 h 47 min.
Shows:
9 h 19 min
